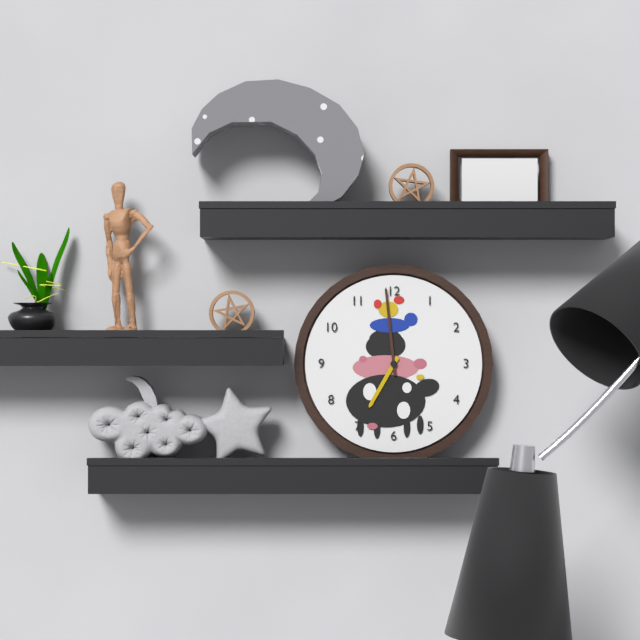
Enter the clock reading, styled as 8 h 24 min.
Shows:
6 h 59 min
